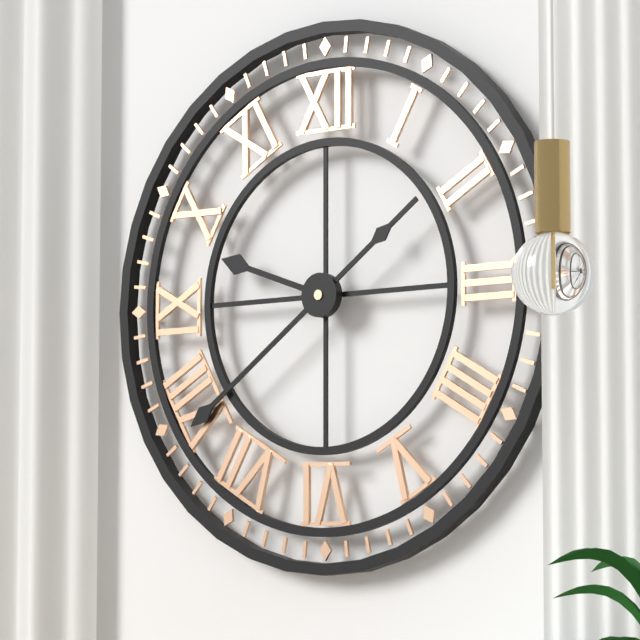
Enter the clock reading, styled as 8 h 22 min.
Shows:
9 h 39 min
